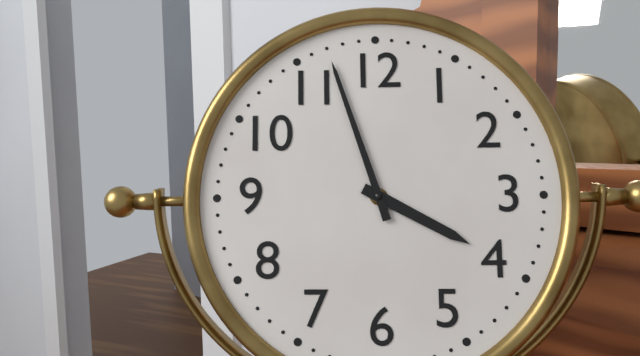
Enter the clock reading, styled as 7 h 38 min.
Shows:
3 h 57 min
